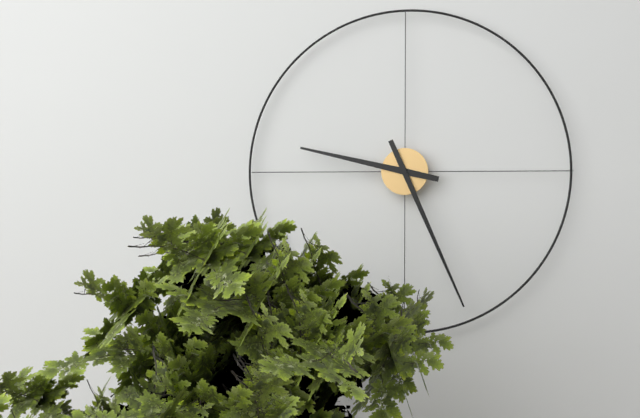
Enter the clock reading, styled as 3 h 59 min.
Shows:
9 h 26 min
